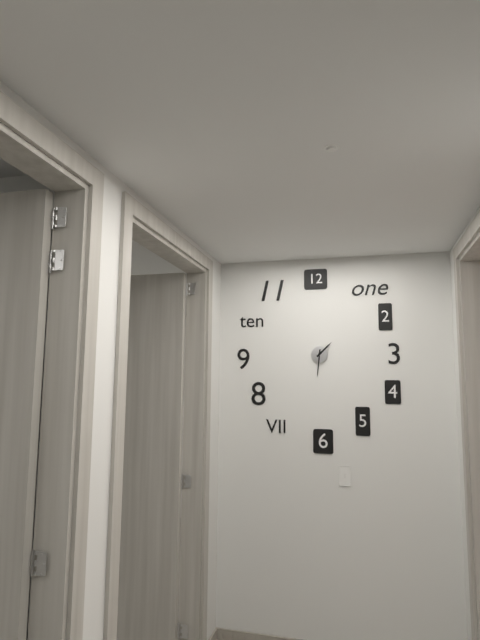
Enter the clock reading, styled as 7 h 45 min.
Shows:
1 h 31 min
